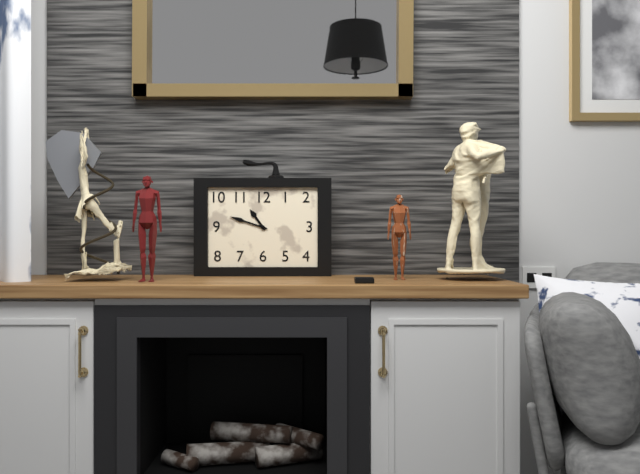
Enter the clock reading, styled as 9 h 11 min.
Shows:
10 h 48 min
